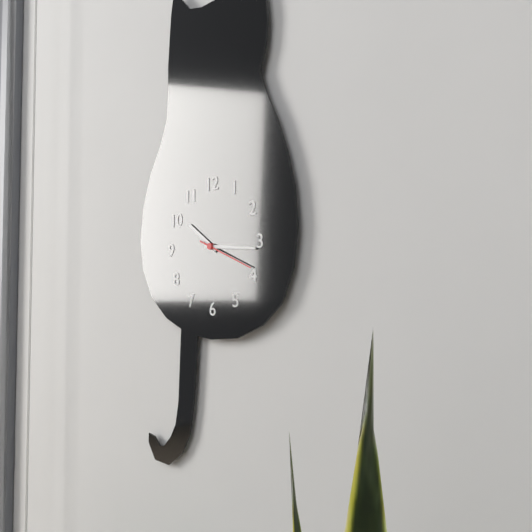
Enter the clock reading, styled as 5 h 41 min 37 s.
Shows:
10 h 16 min 19 s
